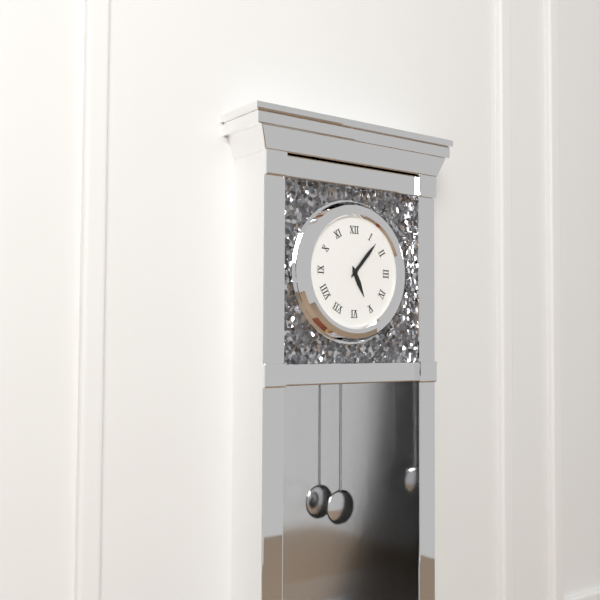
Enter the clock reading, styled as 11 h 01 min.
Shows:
5 h 07 min
